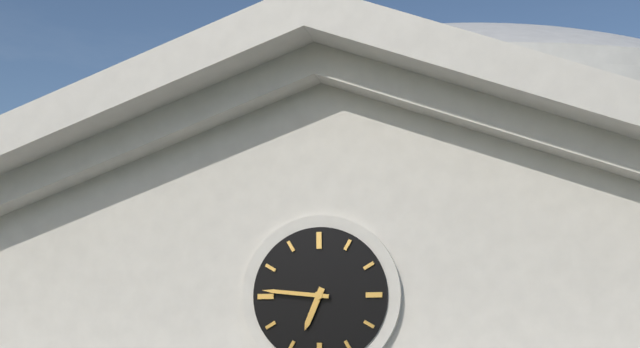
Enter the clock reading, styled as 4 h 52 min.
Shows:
6 h 46 min
